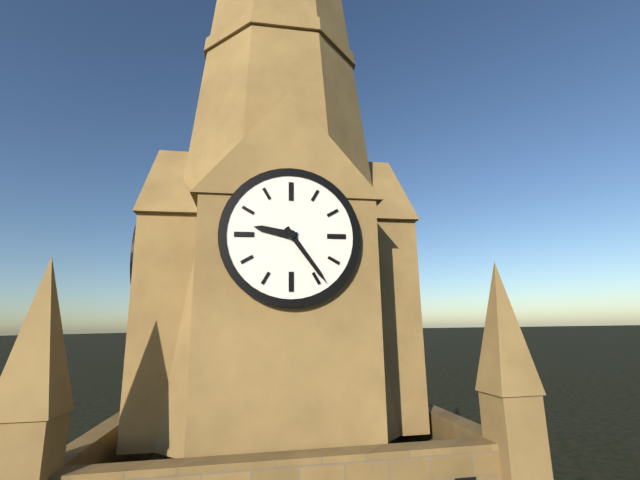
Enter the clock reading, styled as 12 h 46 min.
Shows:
9 h 24 min
